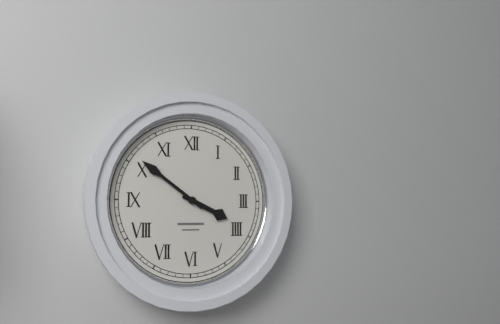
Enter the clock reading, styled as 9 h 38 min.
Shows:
3 h 51 min
